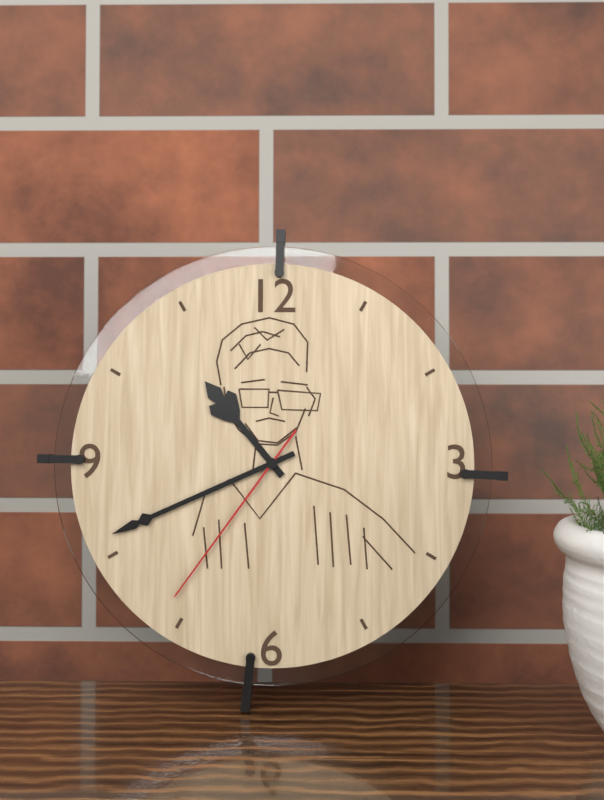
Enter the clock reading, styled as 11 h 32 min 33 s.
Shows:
10 h 41 min 36 s
